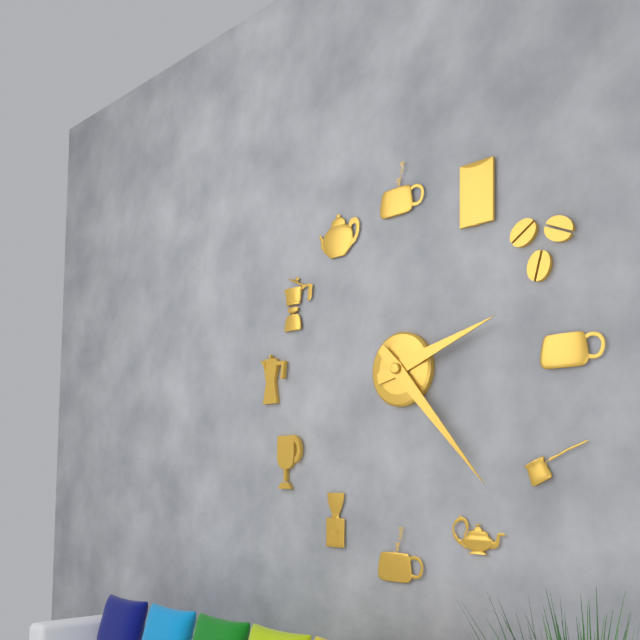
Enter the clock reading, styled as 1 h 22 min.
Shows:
2 h 23 min
